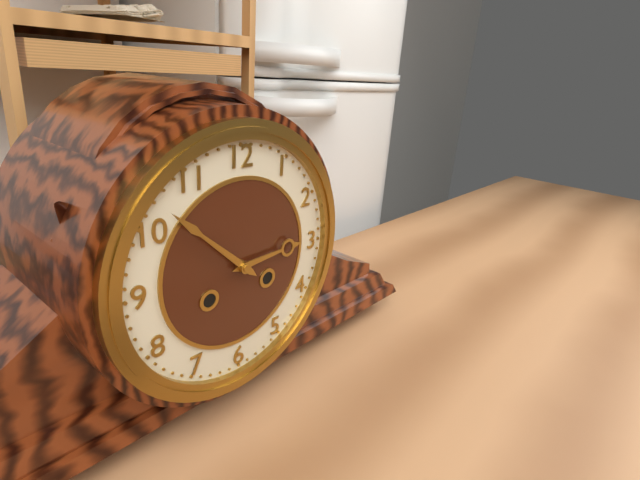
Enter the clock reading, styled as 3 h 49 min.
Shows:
2 h 52 min
